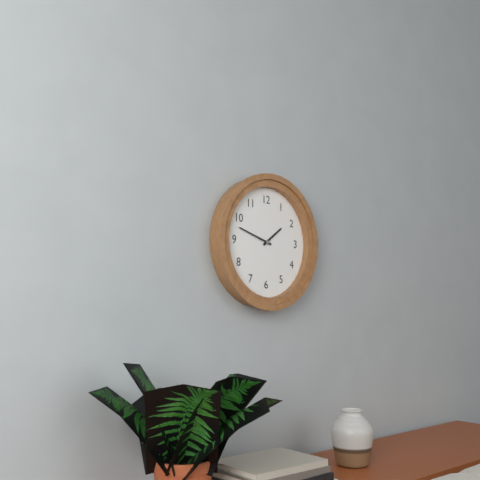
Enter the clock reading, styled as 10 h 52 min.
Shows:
1 h 48 min
